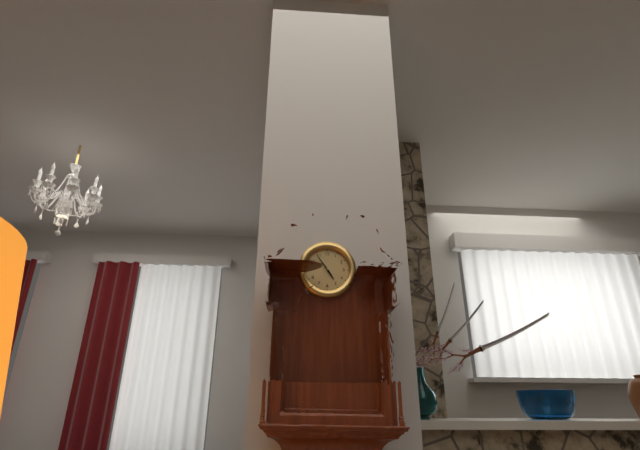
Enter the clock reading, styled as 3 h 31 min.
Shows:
4 h 54 min
